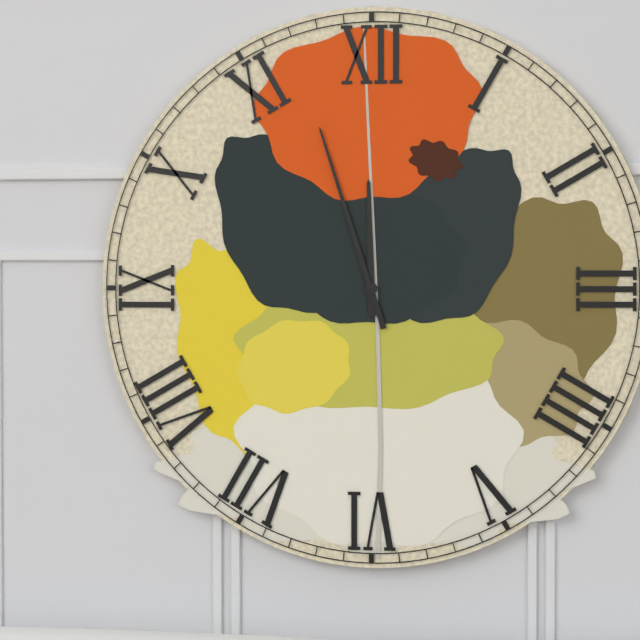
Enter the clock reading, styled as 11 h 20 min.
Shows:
11 h 57 min
